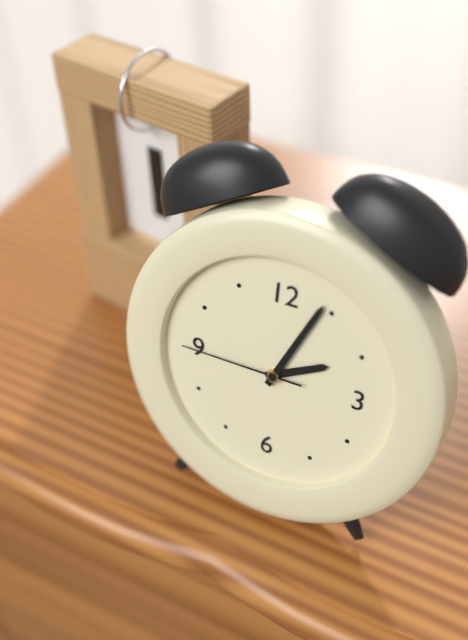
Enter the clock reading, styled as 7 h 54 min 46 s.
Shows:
2 h 04 min 45 s
